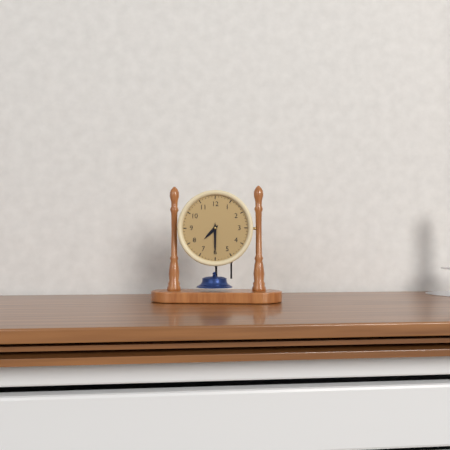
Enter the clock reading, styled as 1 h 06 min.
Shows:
7 h 30 min
